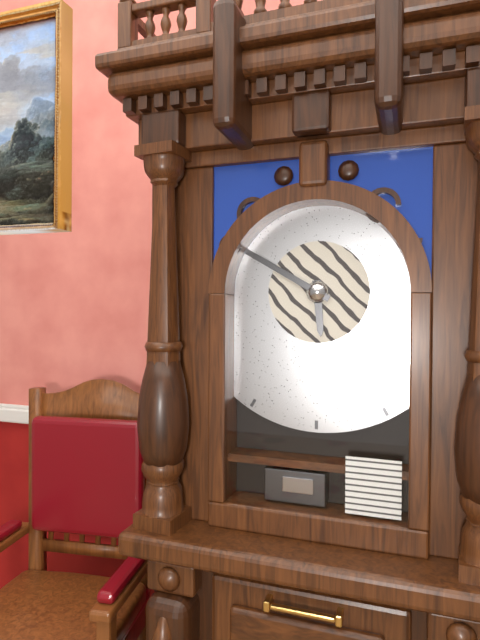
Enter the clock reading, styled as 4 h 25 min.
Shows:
5 h 50 min
